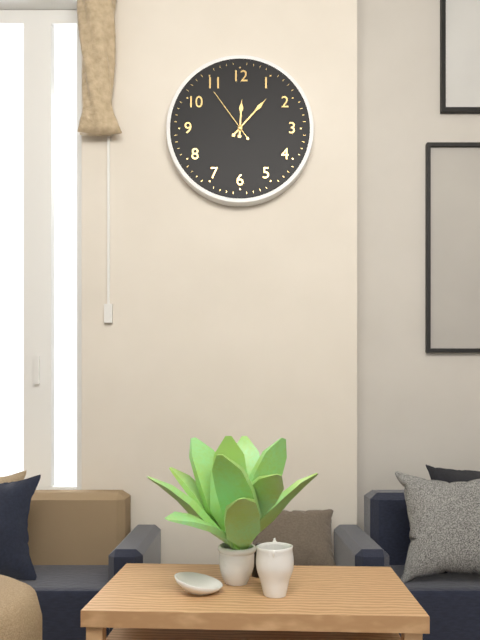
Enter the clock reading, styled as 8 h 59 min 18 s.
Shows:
12 h 07 min 54 s
